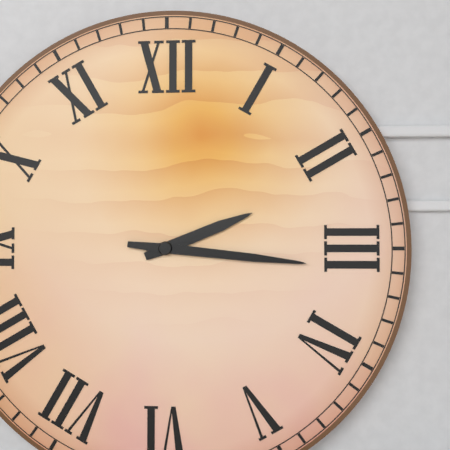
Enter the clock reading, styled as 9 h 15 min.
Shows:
2 h 16 min
